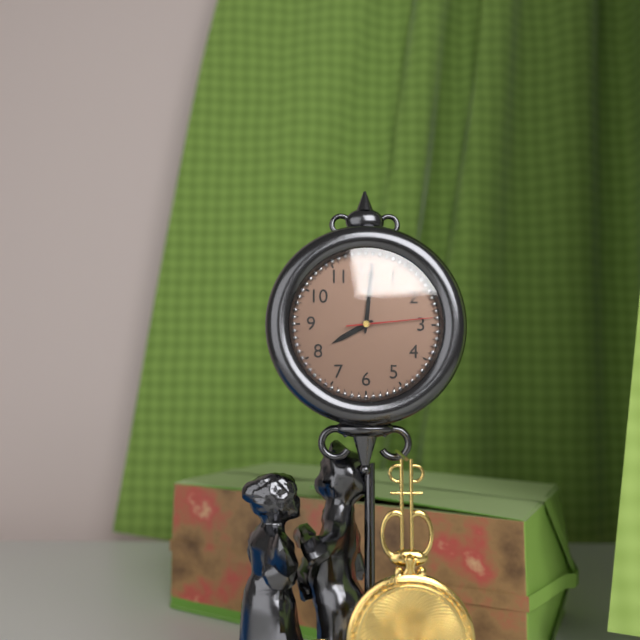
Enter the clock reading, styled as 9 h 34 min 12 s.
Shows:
8 h 01 min 14 s
